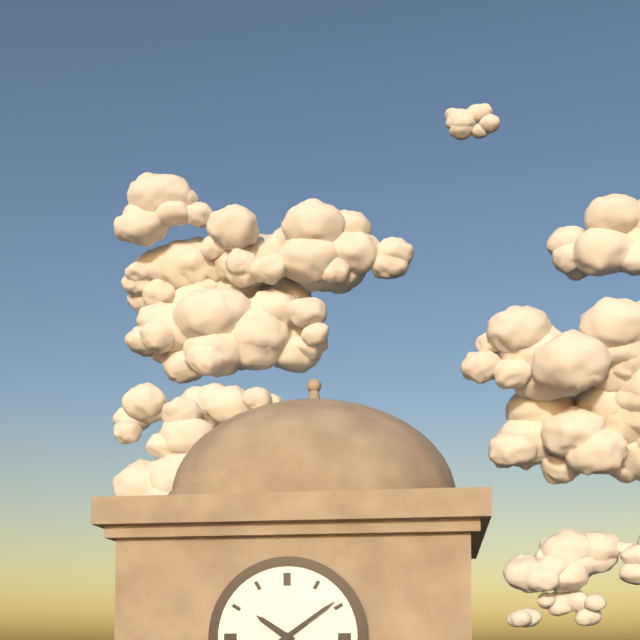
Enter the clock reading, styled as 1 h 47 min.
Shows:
10 h 09 min
